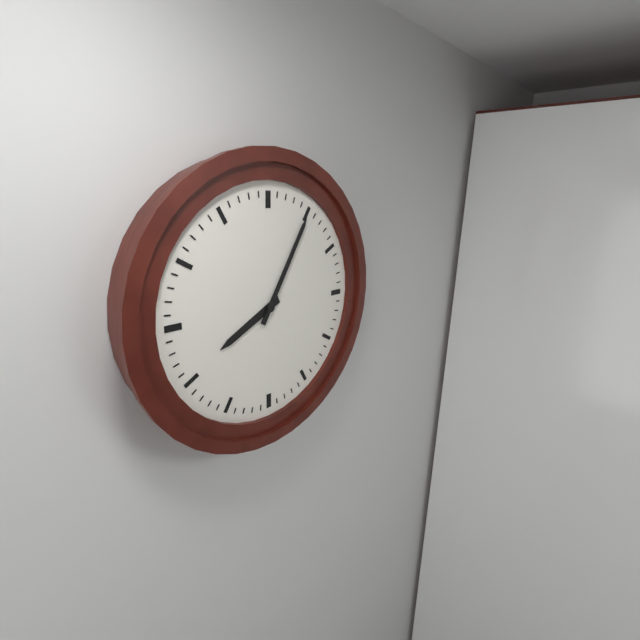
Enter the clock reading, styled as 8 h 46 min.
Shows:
8 h 05 min
